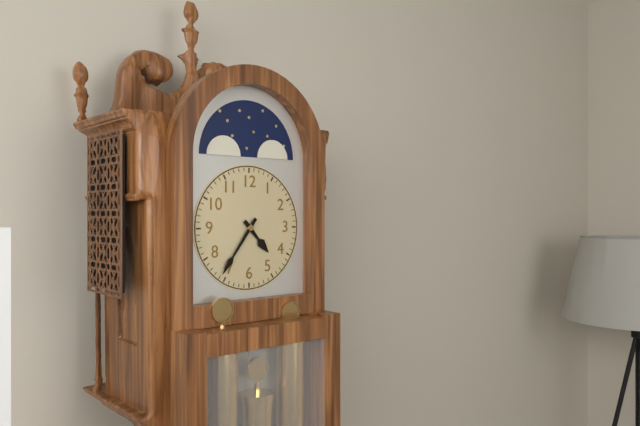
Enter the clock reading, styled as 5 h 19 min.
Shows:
4 h 36 min
